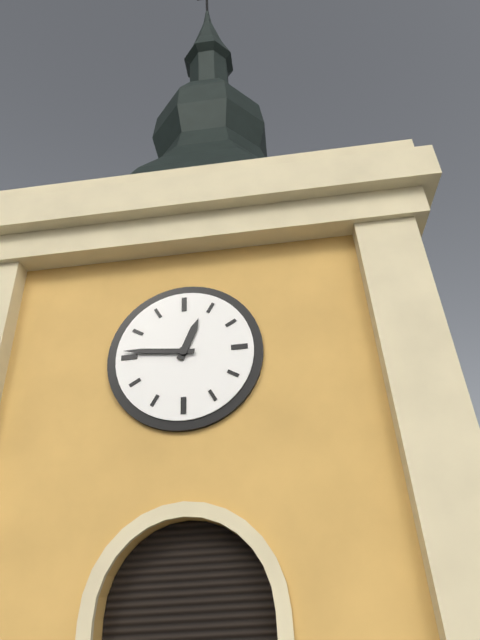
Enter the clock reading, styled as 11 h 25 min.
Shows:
12 h 46 min
